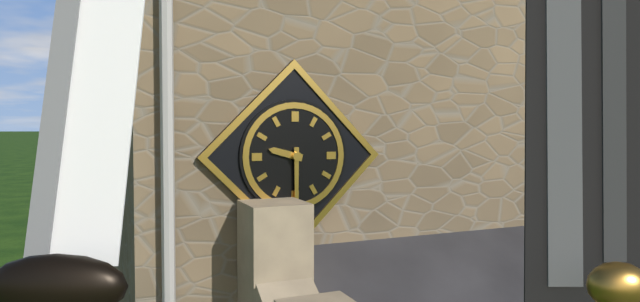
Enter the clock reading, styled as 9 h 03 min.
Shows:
9 h 30 min
